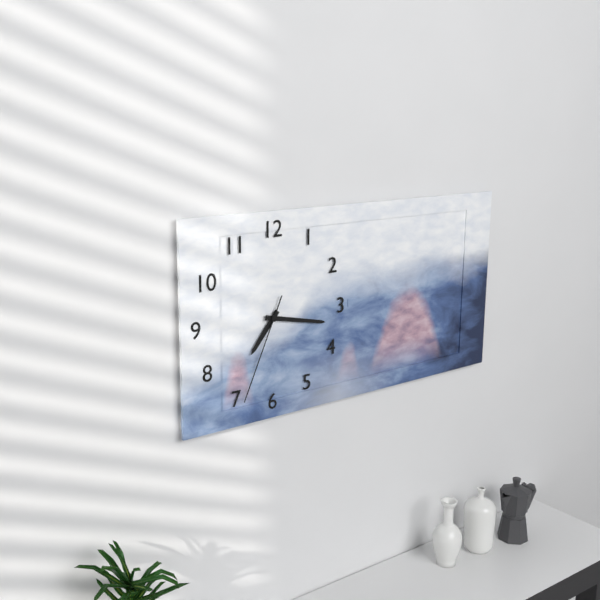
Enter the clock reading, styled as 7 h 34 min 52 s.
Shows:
7 h 17 min 34 s
